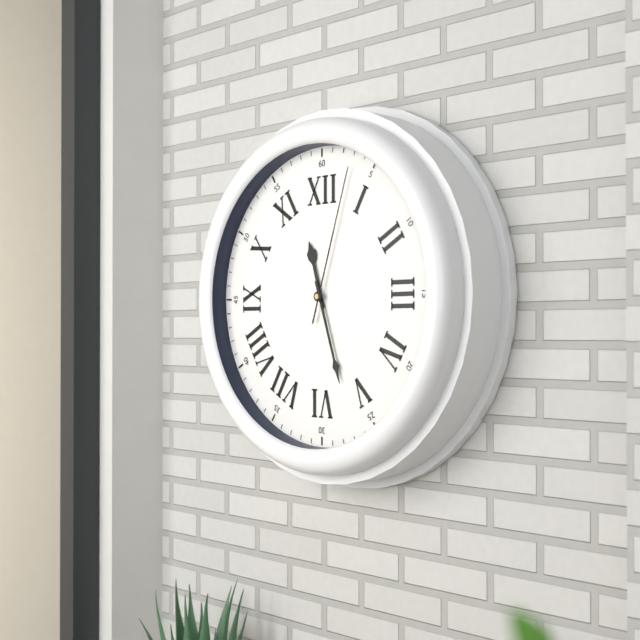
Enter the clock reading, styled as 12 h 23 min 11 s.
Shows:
11 h 27 min 03 s
